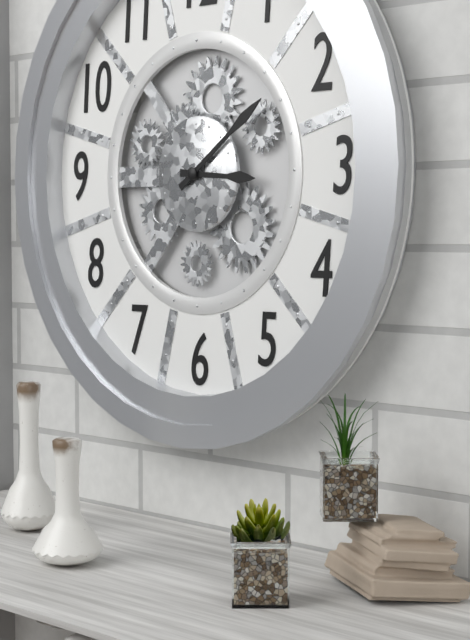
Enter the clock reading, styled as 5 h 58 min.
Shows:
3 h 09 min
